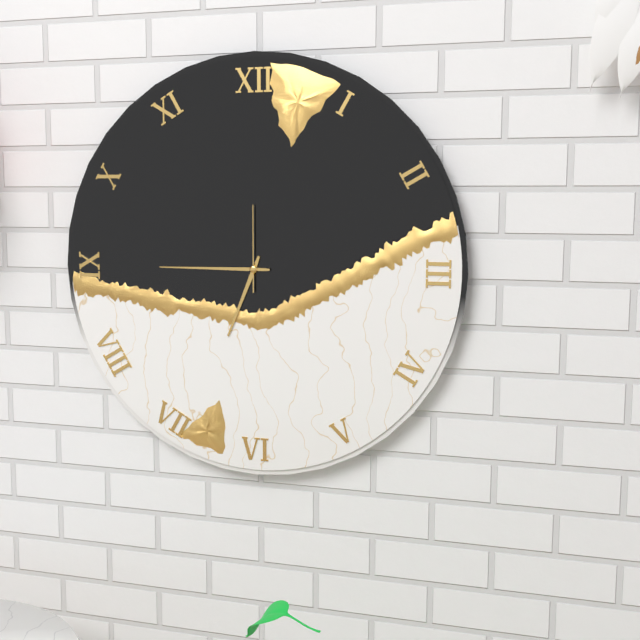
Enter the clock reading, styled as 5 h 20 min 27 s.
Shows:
6 h 45 min 00 s
